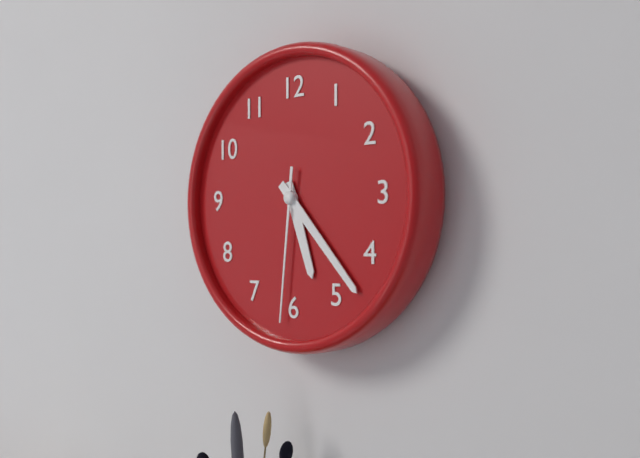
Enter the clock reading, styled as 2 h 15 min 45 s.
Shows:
5 h 23 min 31 s
